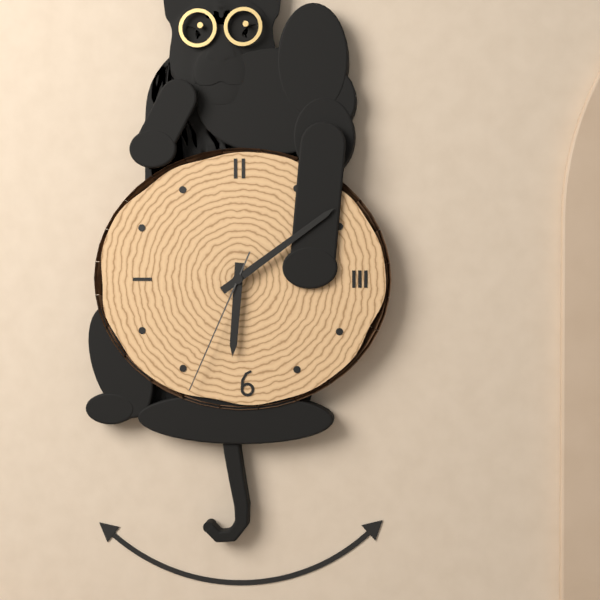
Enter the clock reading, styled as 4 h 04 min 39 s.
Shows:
6 h 09 min 34 s
